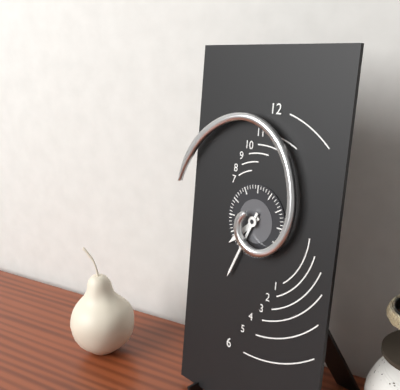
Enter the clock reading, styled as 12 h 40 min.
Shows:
7 h 34 min
